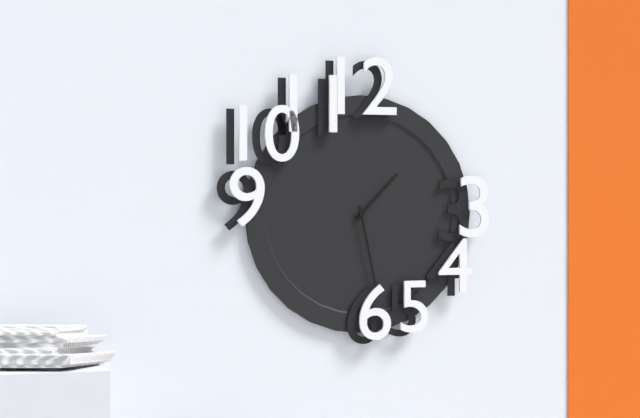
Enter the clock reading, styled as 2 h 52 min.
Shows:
1 h 28 min
